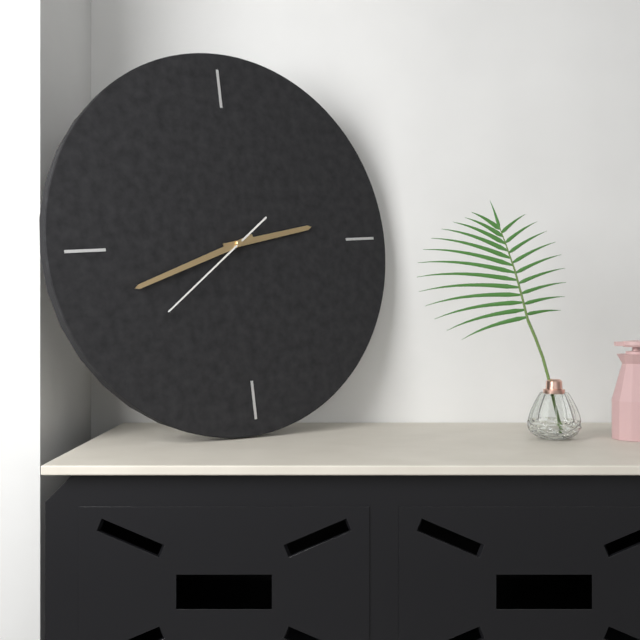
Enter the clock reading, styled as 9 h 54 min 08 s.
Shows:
2 h 42 min 39 s
